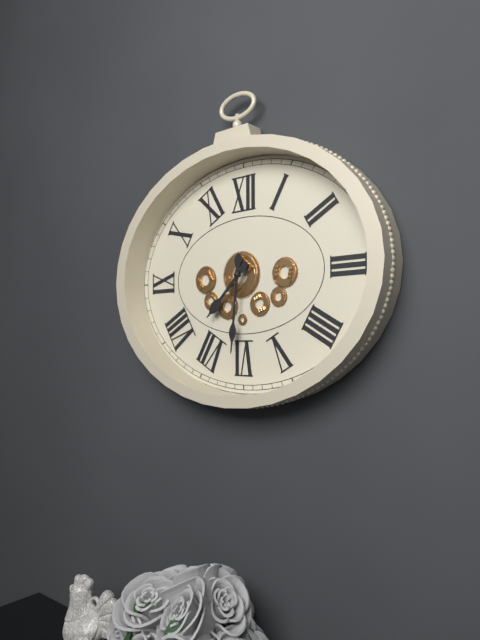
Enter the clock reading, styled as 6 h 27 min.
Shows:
7 h 31 min
